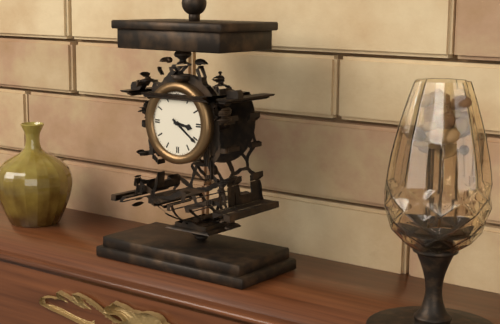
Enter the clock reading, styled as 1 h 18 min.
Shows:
3 h 21 min
